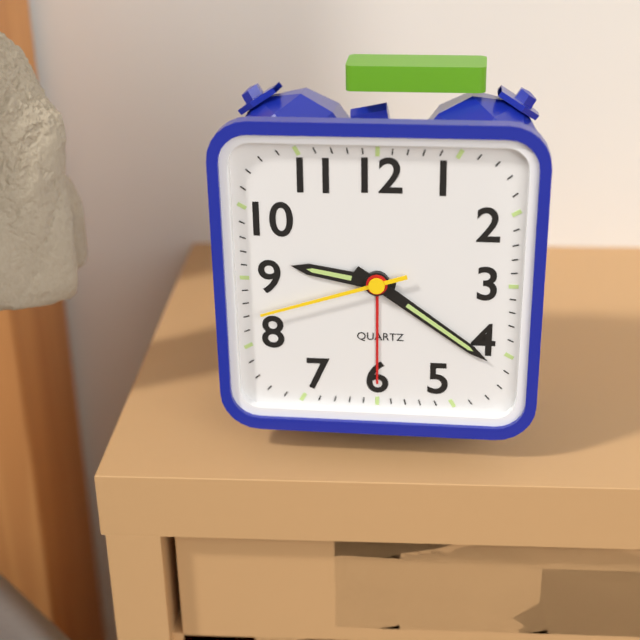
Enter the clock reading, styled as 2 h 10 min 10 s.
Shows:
9 h 21 min 42 s
